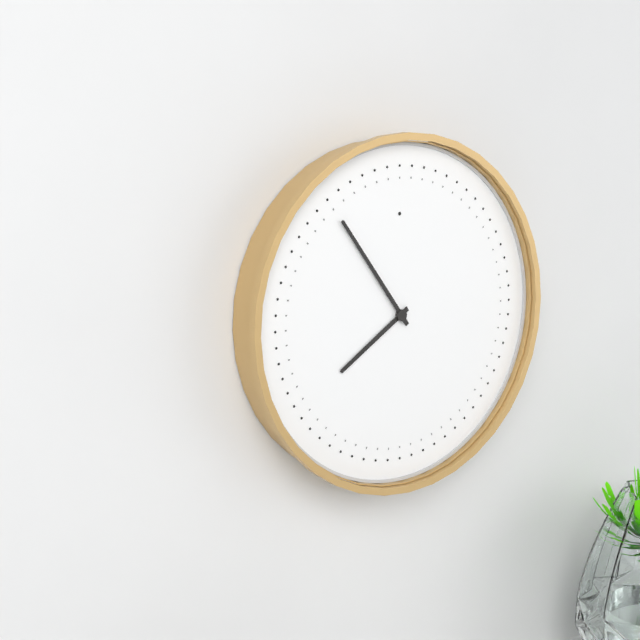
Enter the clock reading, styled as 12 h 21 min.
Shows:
7 h 54 min
